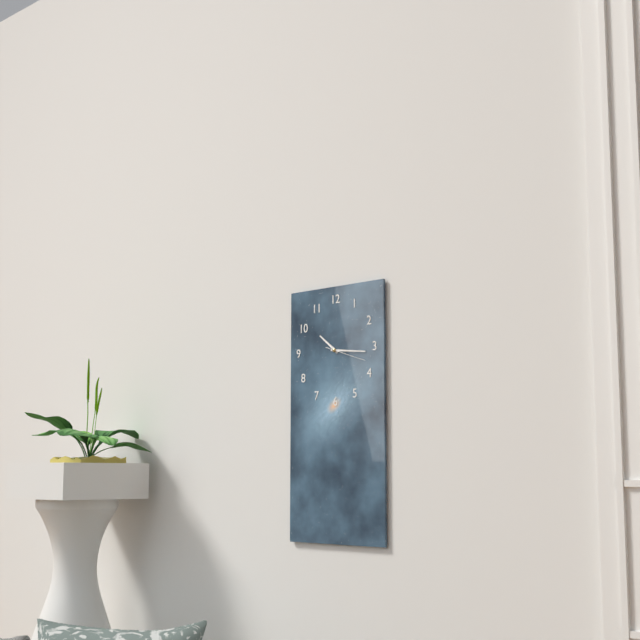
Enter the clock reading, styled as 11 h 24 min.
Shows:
10 h 16 min
